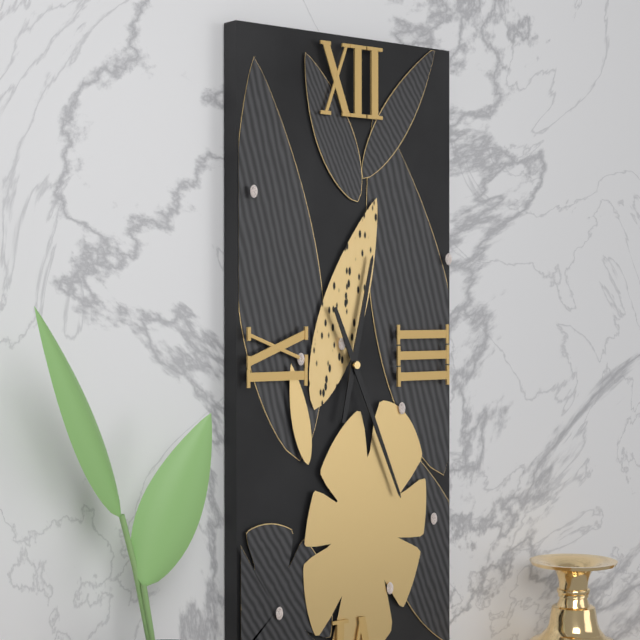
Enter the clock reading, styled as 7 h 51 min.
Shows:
12 h 26 min
